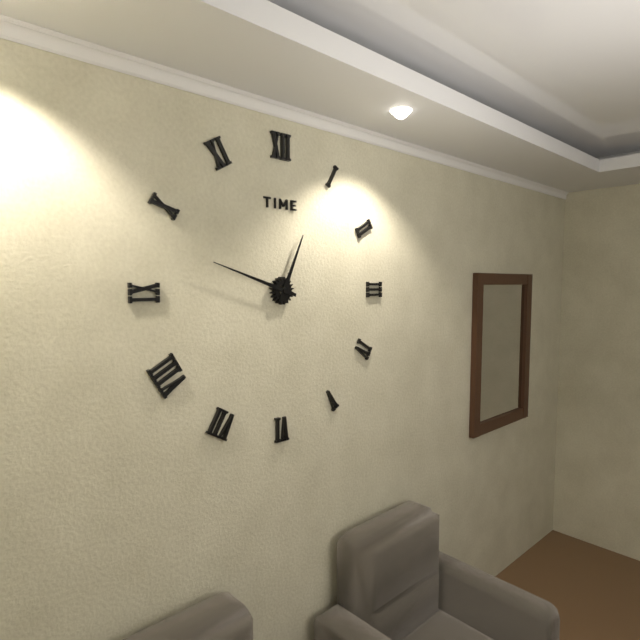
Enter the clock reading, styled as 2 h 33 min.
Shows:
12 h 48 min
